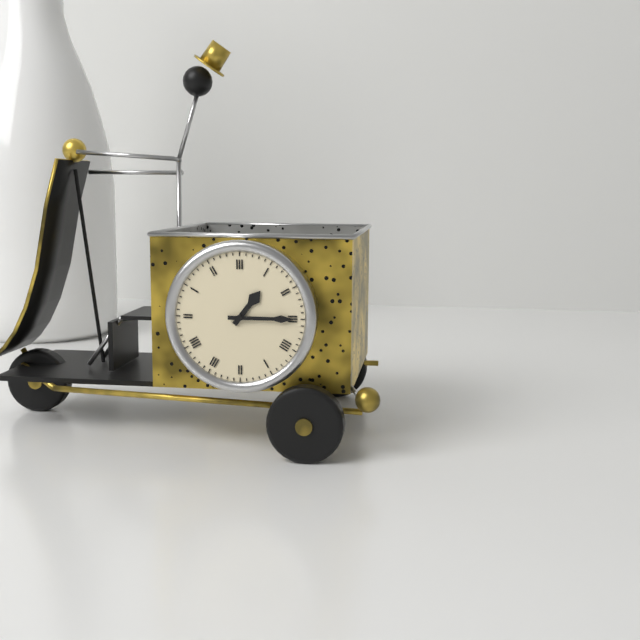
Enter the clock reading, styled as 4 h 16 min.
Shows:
1 h 15 min
